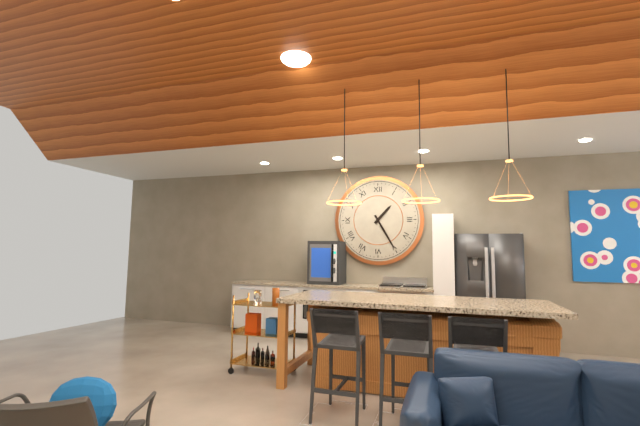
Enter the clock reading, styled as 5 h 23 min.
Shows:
1 h 25 min
